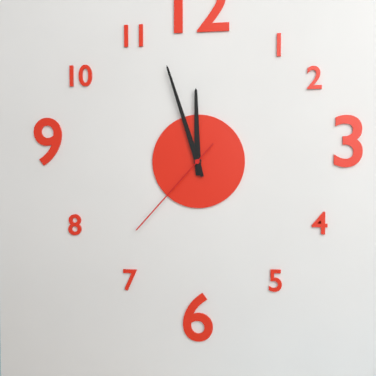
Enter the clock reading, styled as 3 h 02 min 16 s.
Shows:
11 h 57 min 37 s
